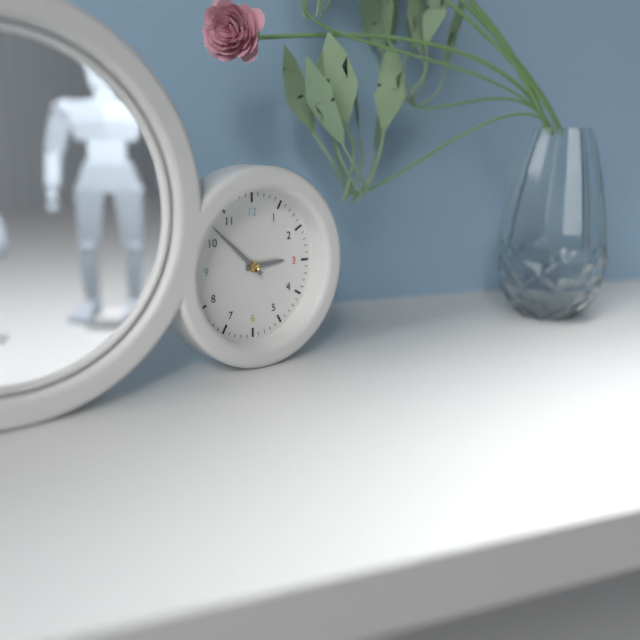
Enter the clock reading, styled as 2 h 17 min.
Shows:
2 h 52 min
